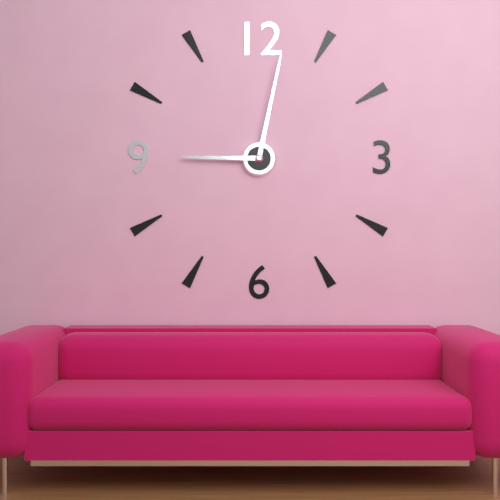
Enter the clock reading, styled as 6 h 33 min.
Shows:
9 h 02 min
